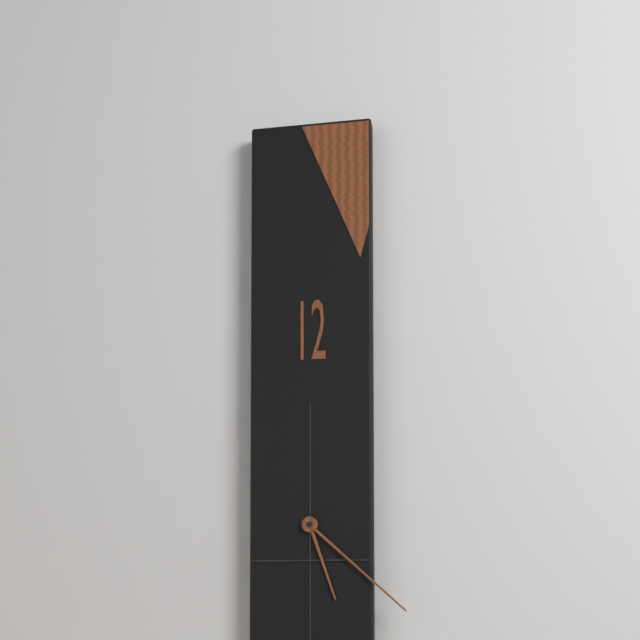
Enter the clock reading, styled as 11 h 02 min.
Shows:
5 h 22 min
